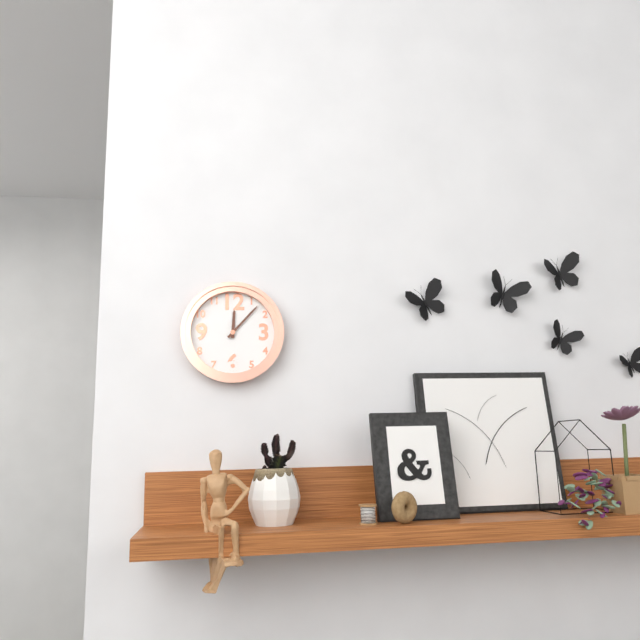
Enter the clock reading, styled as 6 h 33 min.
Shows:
12 h 07 min
